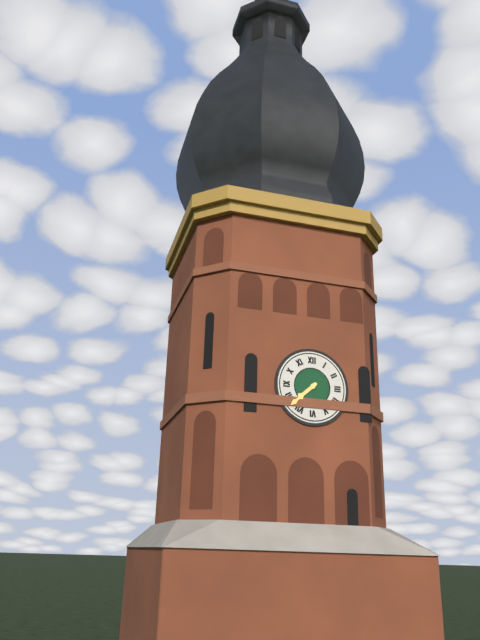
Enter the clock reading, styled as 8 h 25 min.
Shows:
7 h 38 min
